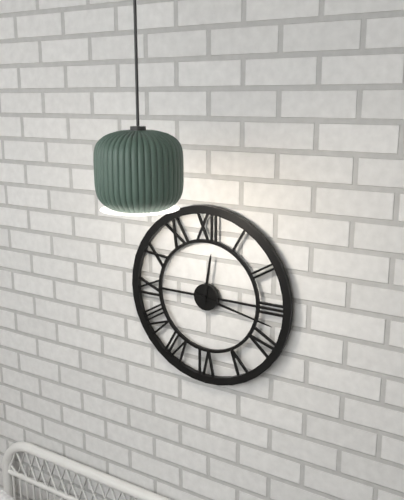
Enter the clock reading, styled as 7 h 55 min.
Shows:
12 h 17 min
